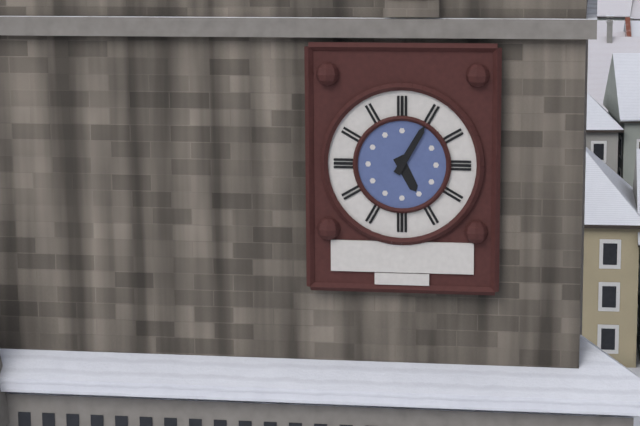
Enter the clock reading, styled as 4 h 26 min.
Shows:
5 h 05 min
